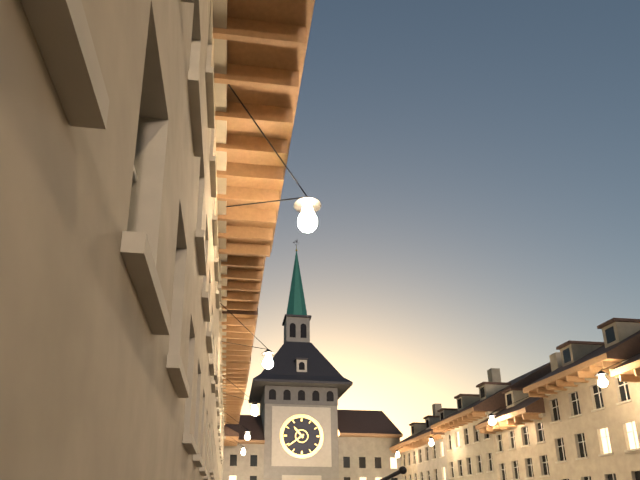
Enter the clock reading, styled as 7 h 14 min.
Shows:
10 h 39 min
